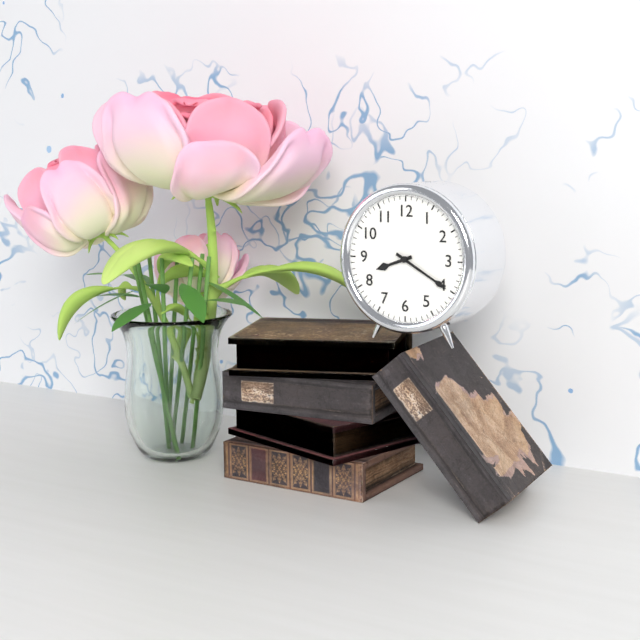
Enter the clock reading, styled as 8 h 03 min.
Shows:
8 h 20 min
